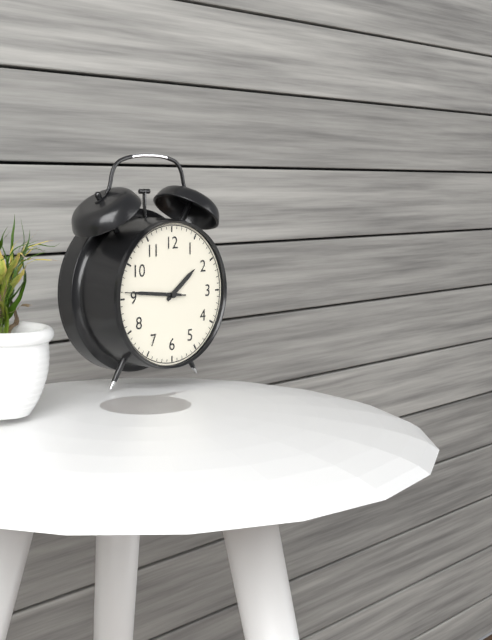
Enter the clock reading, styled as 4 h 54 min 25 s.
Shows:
1 h 46 min 46 s
